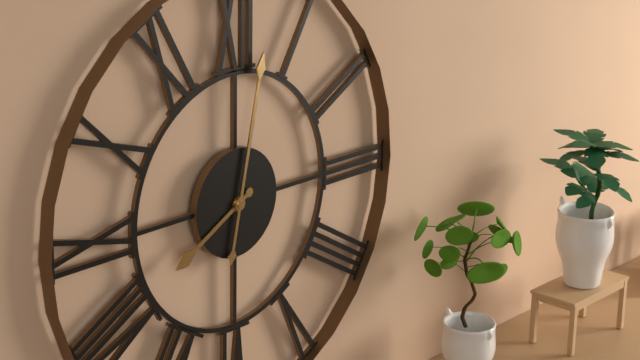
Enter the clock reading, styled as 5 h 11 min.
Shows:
8 h 02 min
